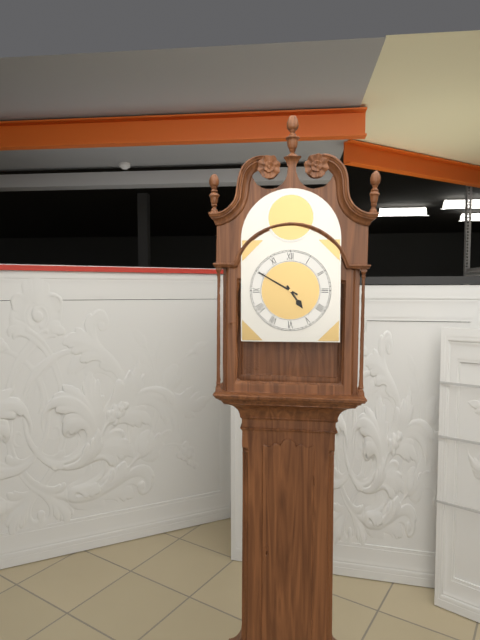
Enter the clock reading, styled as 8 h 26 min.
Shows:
4 h 50 min
